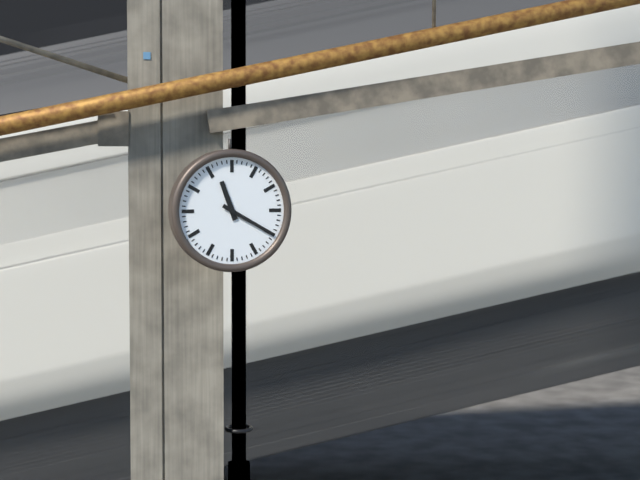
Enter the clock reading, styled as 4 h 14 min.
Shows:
11 h 20 min
